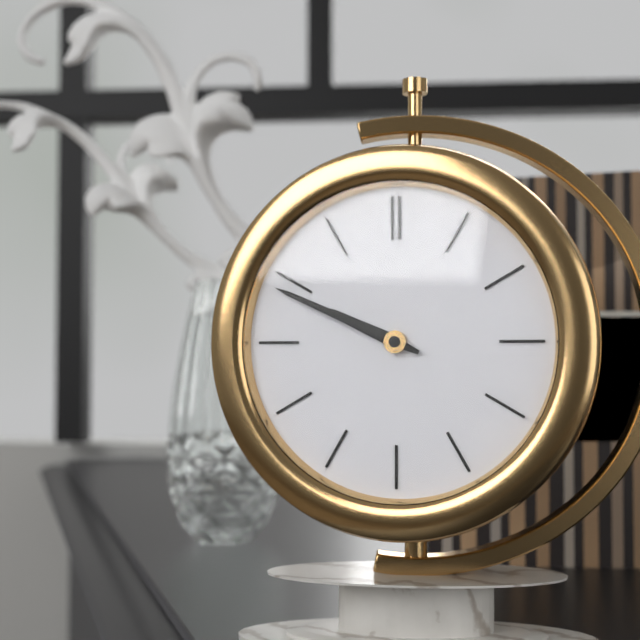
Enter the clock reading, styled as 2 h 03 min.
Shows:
9 h 49 min
